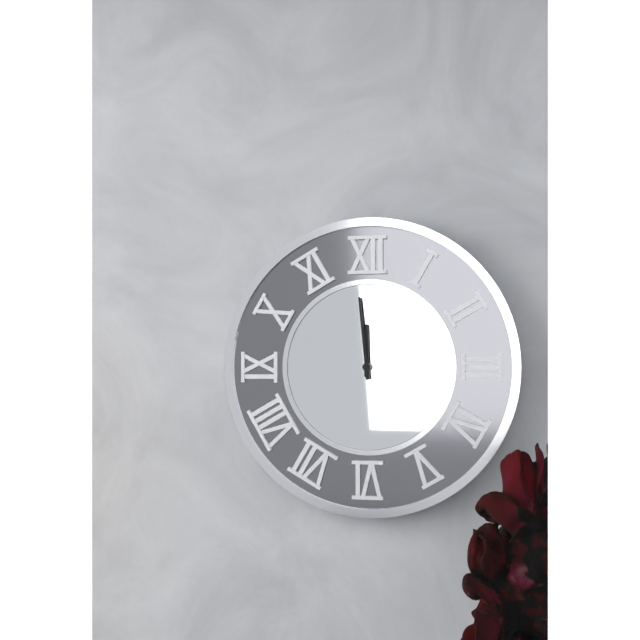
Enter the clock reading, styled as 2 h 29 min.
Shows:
11 h 59 min
